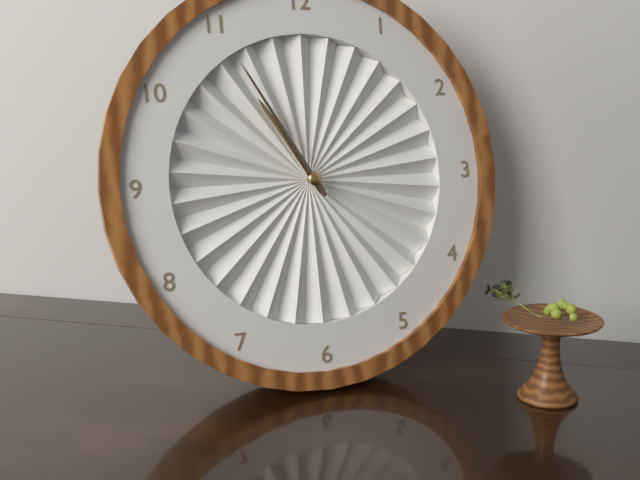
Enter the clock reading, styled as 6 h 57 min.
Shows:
10 h 55 min
